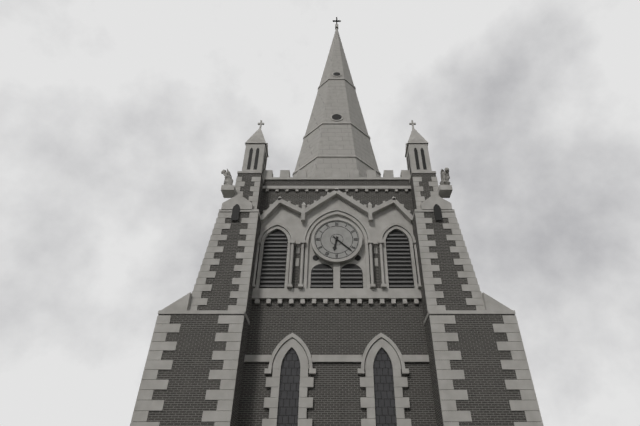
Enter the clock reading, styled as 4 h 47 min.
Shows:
6 h 22 min
